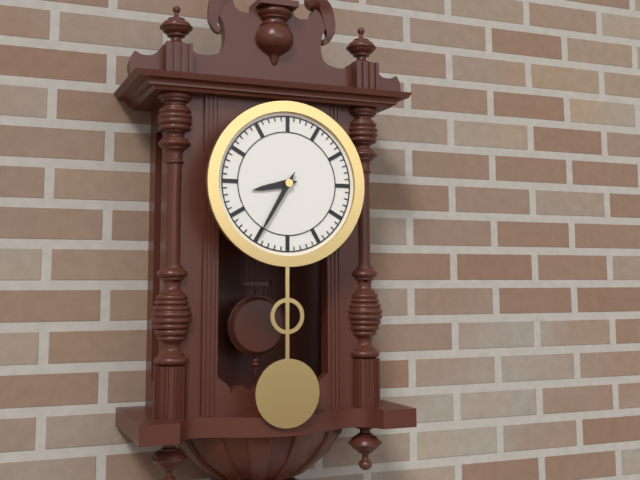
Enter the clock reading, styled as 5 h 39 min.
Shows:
8 h 35 min
